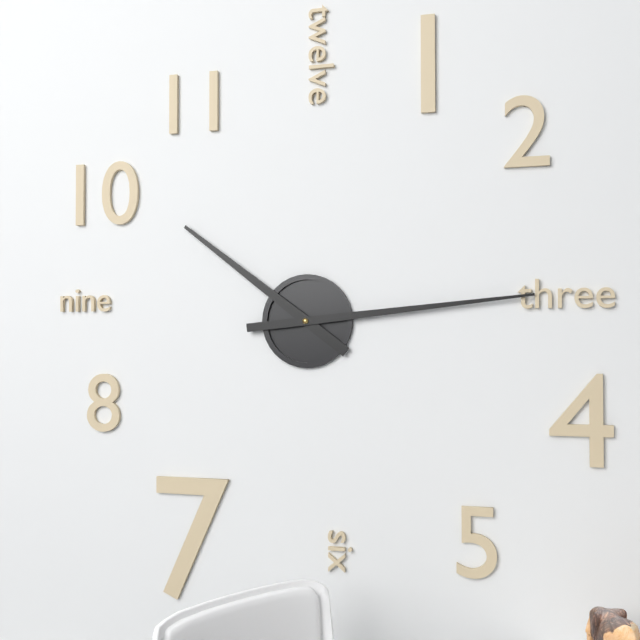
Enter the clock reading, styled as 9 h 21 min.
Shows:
10 h 14 min
